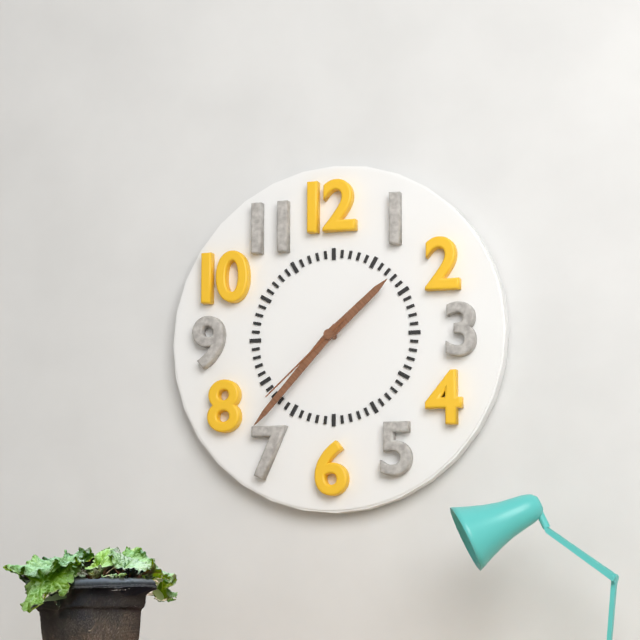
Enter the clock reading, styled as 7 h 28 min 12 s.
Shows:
1 h 37 min 38 s
